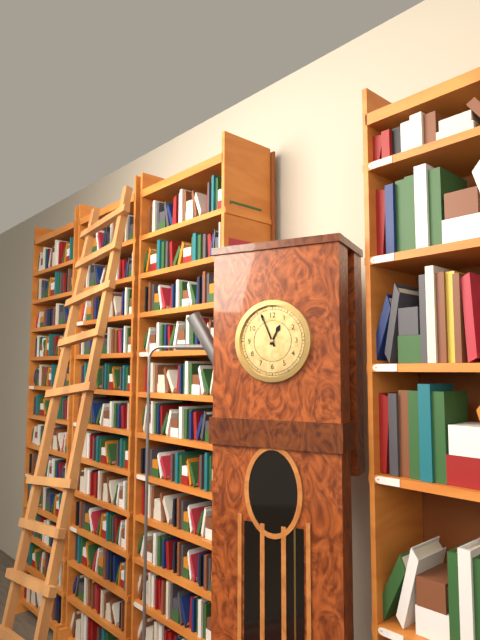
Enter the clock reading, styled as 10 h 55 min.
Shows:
12 h 56 min
